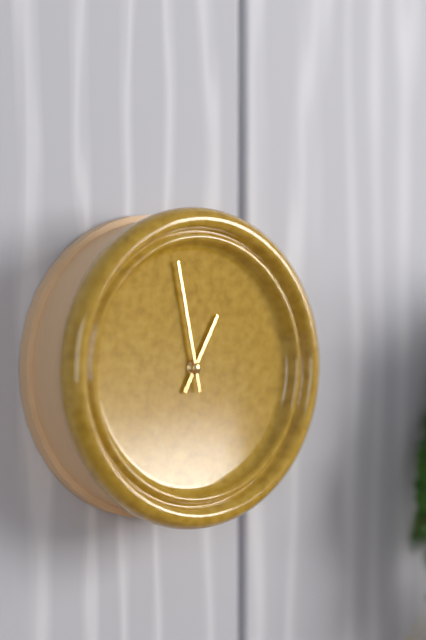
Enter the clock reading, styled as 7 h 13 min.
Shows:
12 h 58 min
